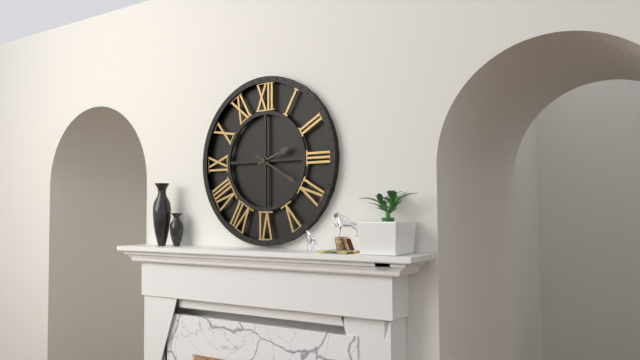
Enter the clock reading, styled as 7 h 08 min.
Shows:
2 h 20 min
